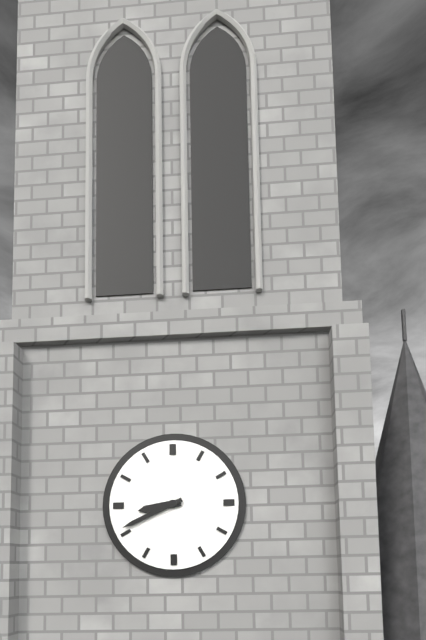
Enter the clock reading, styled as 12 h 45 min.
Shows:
8 h 41 min
